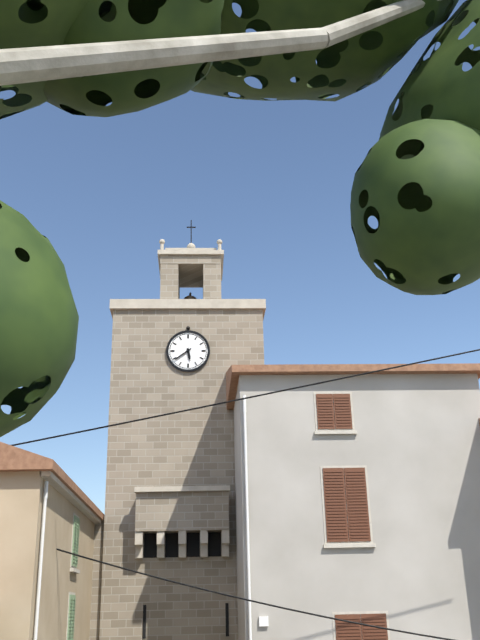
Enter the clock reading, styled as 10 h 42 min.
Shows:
5 h 39 min
